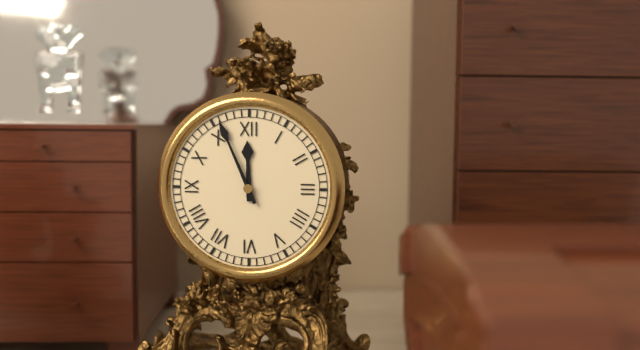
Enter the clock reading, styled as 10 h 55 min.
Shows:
11 h 56 min
